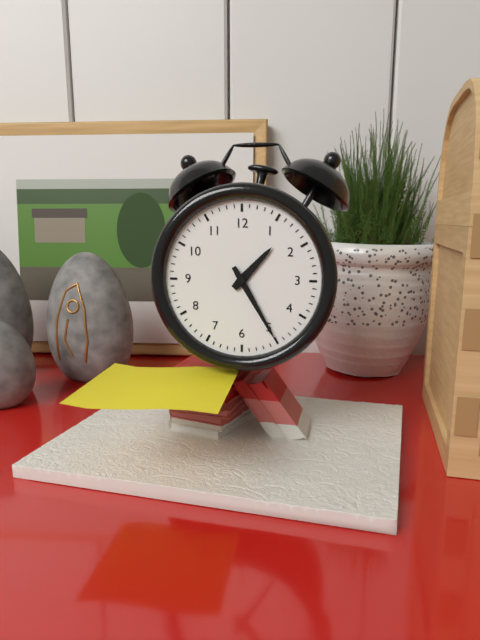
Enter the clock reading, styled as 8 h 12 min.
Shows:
1 h 25 min
